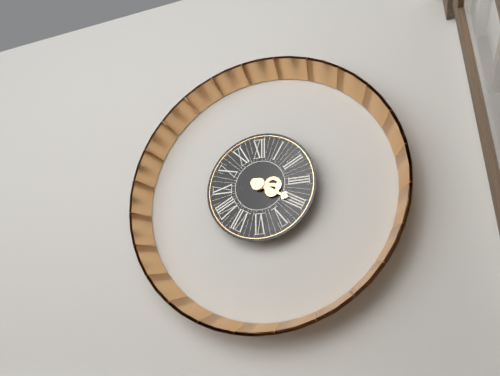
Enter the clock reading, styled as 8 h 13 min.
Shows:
3 h 20 min
